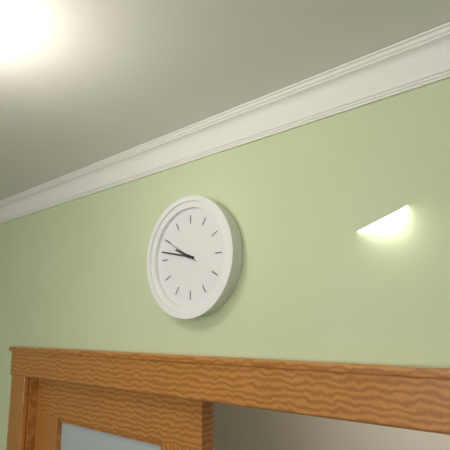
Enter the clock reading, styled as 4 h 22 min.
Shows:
9 h 47 min
